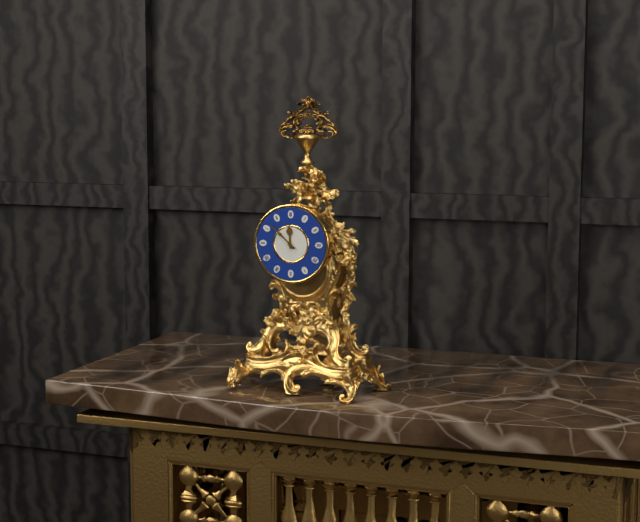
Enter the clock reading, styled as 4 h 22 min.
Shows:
11 h 52 min
